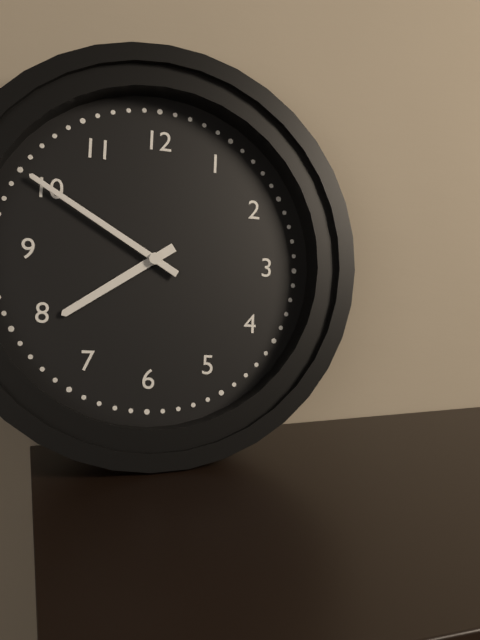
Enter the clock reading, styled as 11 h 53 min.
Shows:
7 h 50 min
